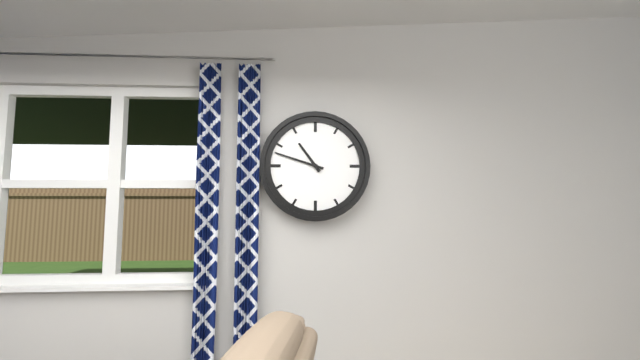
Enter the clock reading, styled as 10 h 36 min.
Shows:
10 h 48 min
